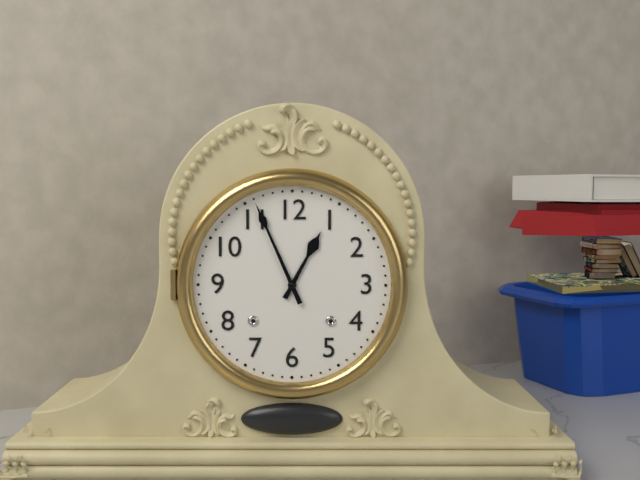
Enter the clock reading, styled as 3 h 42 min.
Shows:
12 h 56 min
